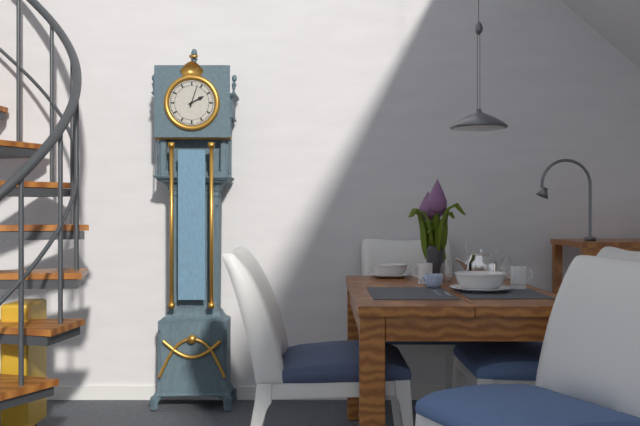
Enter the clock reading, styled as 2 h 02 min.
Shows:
2 h 03 min
